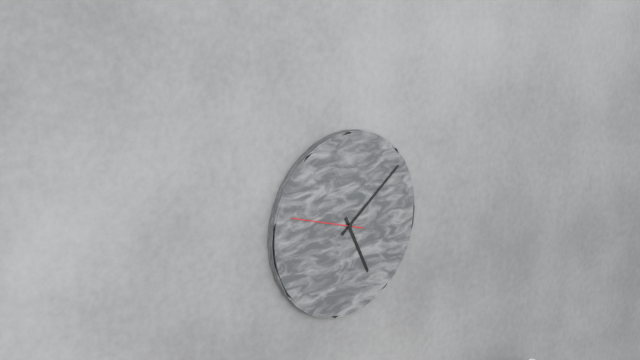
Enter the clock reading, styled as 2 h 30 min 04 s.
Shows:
5 h 09 min 48 s
